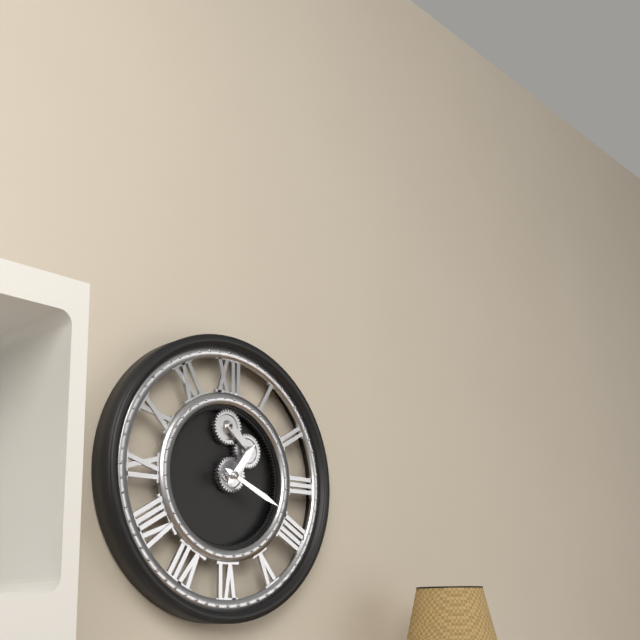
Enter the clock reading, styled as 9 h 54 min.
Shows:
1 h 19 min
